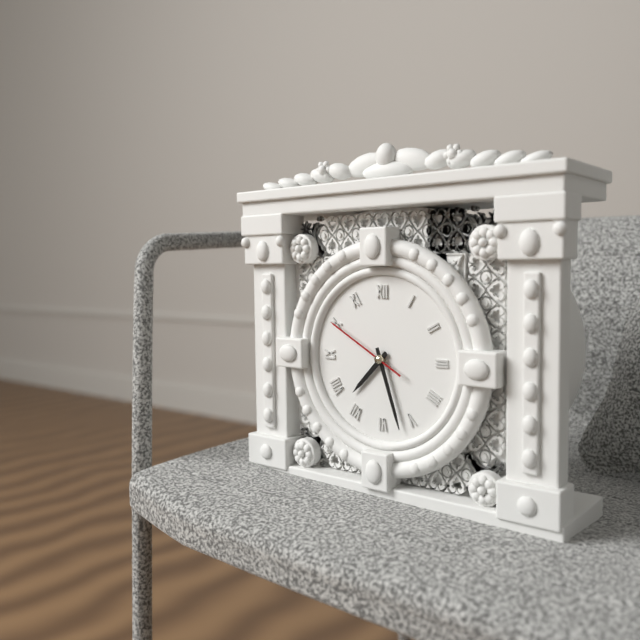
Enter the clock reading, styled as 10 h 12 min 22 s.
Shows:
7 h 27 min 50 s
